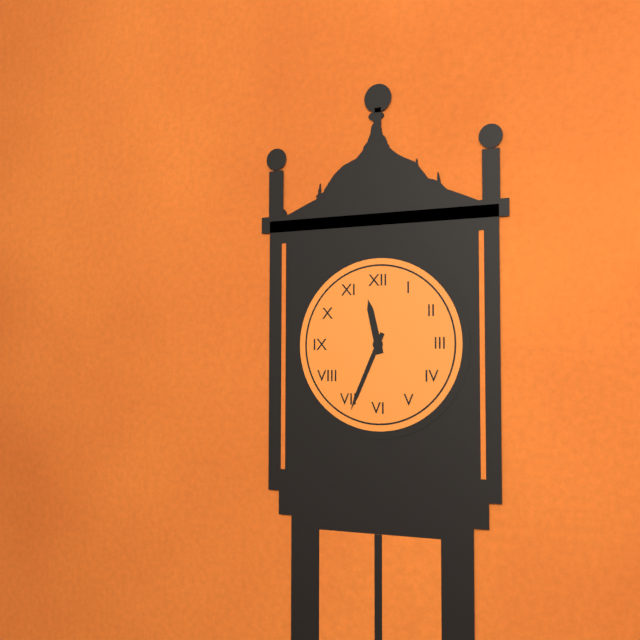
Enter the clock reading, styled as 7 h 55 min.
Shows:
11 h 34 min
